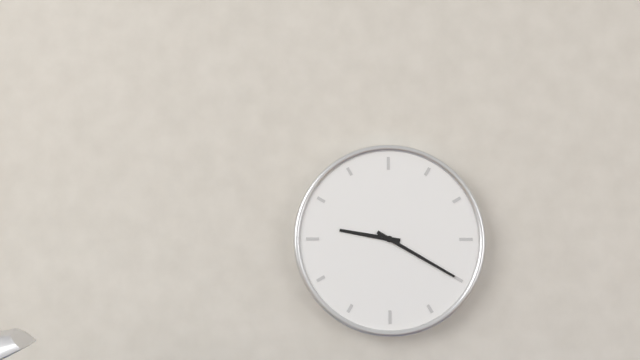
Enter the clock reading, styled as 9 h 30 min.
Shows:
9 h 20 min
